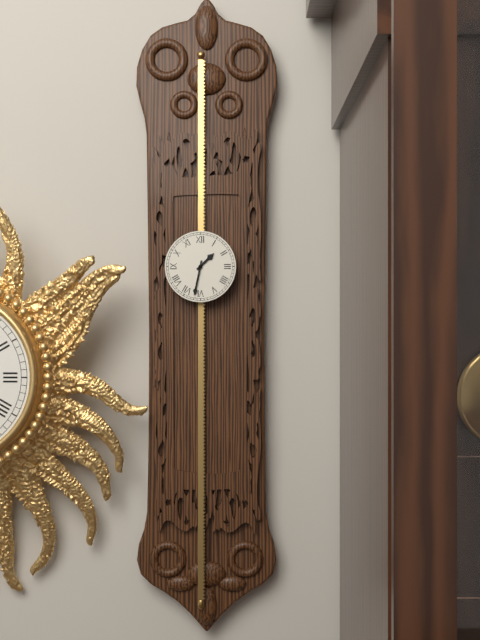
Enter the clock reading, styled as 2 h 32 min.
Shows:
1 h 32 min
